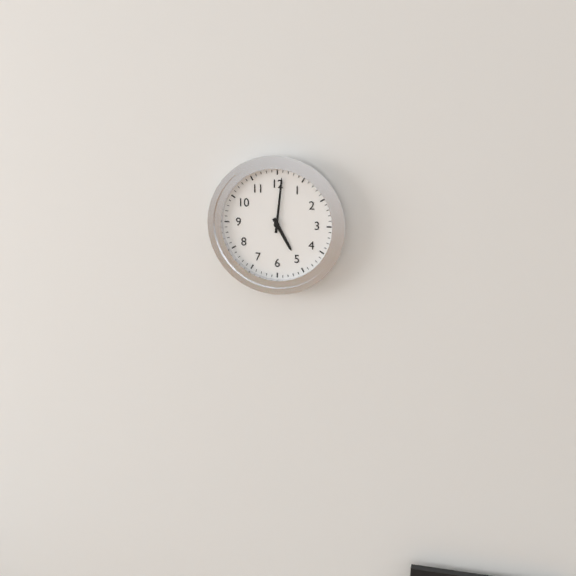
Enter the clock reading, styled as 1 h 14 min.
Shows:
5 h 01 min
